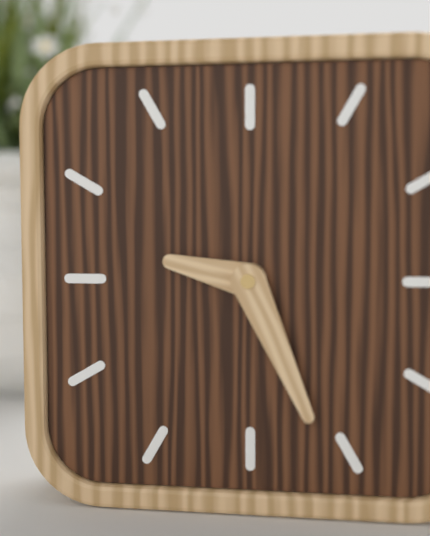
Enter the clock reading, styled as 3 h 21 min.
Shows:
9 h 26 min
